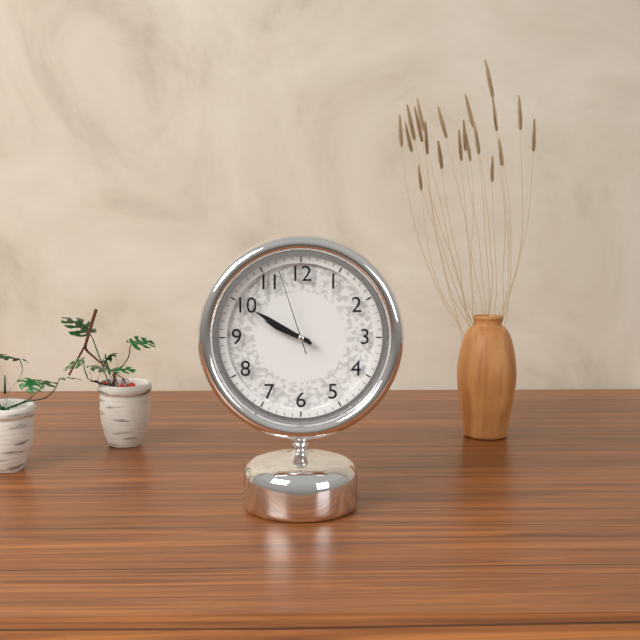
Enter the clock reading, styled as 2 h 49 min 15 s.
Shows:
9 h 50 min 57 s
